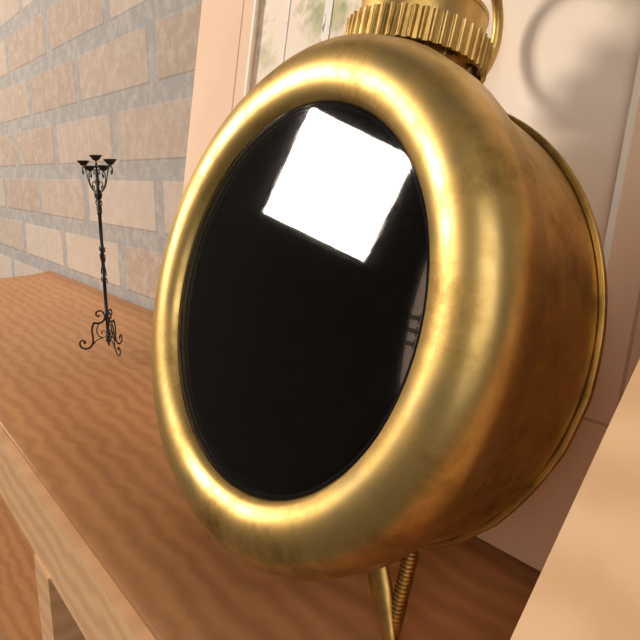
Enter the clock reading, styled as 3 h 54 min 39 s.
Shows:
7 h 02 min 15 s
